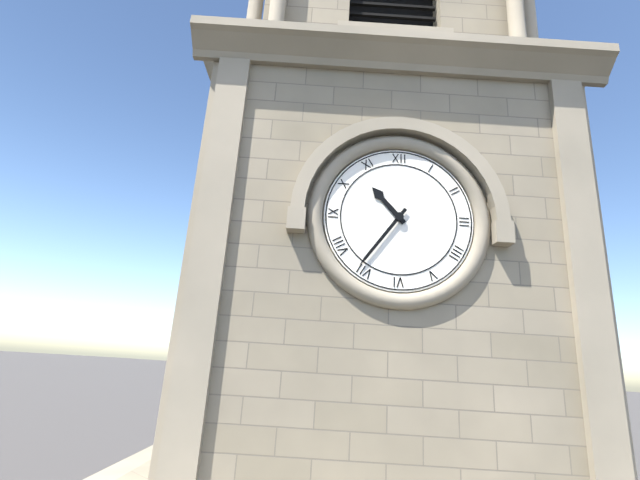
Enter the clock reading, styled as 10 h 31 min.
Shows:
10 h 36 min
